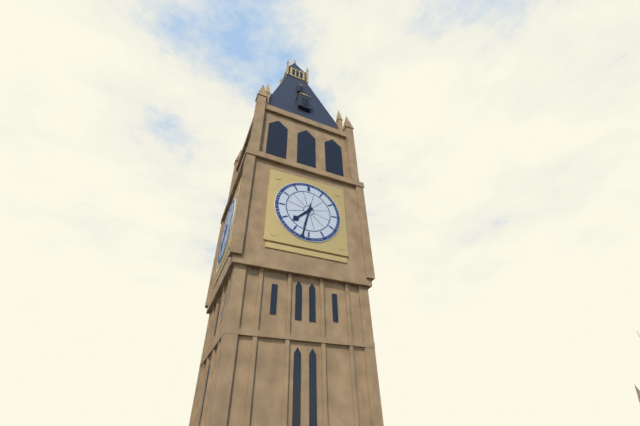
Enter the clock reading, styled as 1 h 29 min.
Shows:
7 h 32 min
